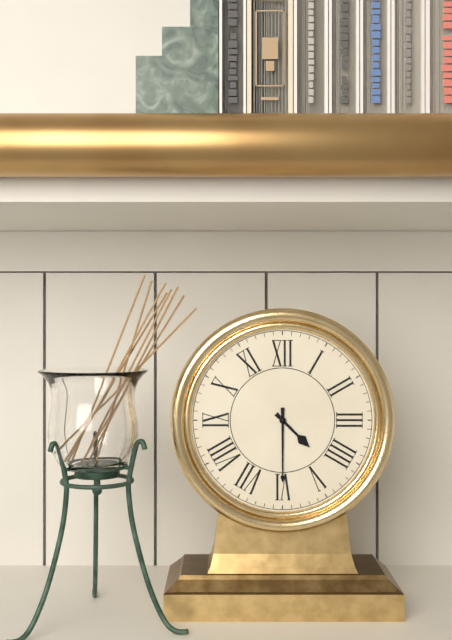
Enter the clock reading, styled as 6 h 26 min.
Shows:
4 h 30 min
